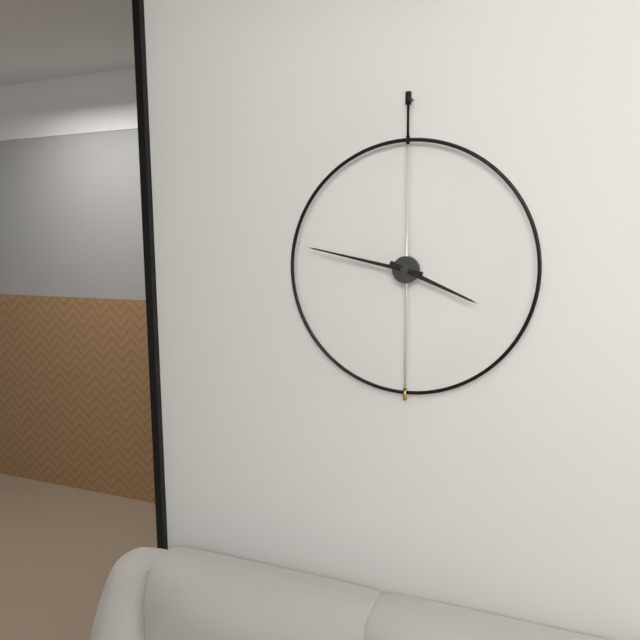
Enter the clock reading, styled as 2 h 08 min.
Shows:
3 h 47 min
